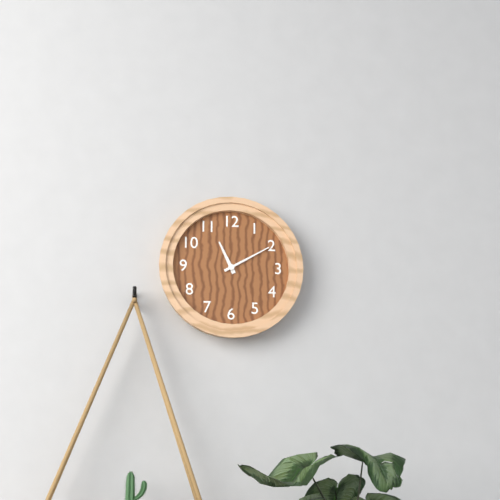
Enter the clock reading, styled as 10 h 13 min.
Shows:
11 h 10 min
